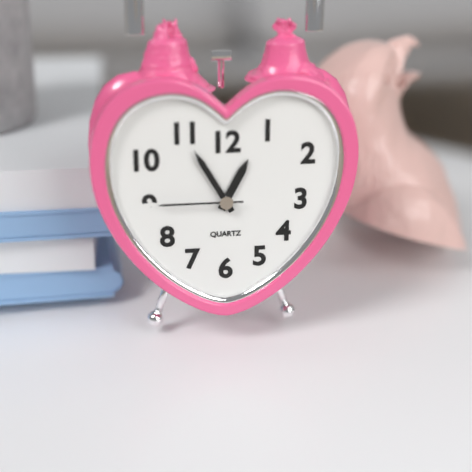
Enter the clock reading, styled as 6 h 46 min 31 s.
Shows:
12 h 55 min 45 s
